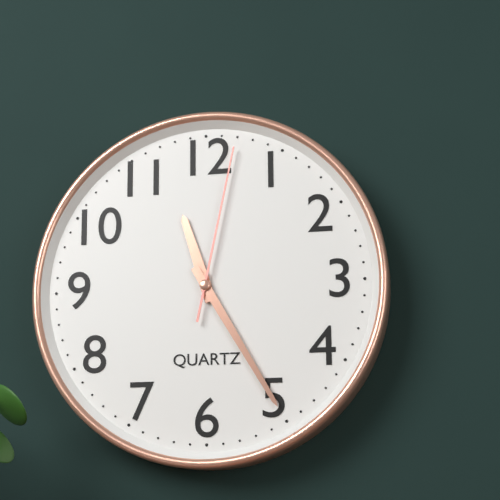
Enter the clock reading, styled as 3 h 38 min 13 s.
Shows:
11 h 25 min 02 s
